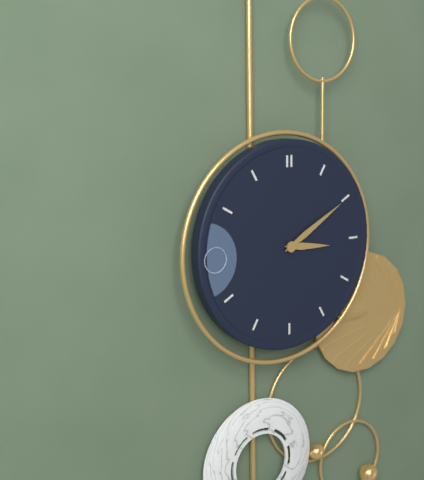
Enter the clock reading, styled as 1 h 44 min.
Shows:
3 h 10 min
